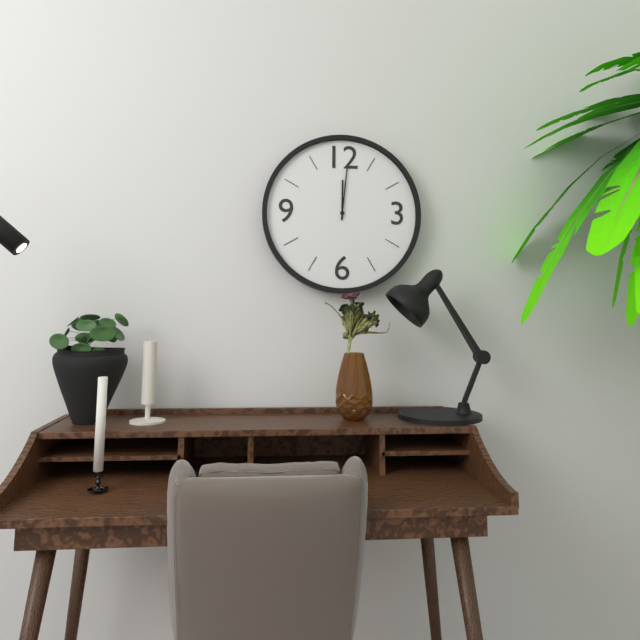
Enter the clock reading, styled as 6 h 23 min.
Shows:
12 h 01 min
